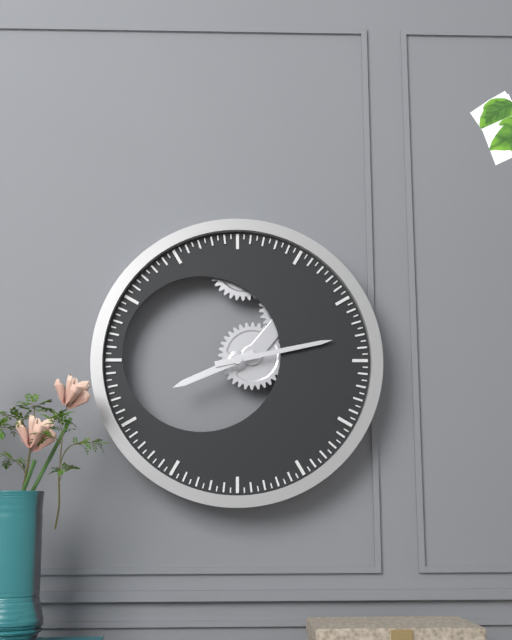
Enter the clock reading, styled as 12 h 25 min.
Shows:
8 h 13 min
